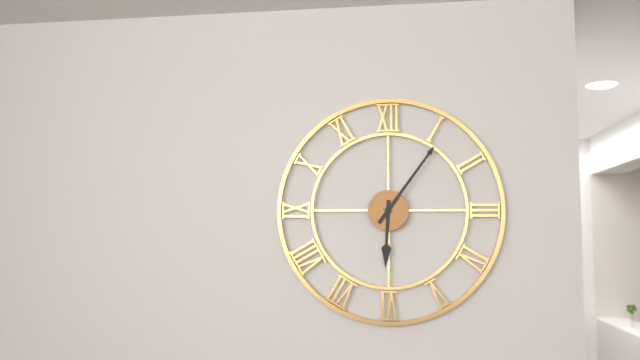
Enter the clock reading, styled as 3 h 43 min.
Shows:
6 h 06 min
